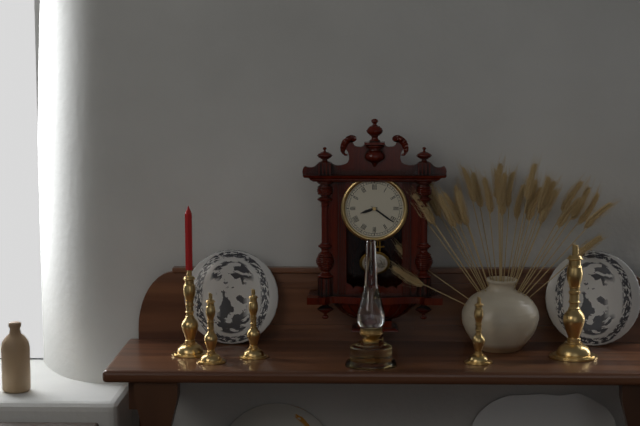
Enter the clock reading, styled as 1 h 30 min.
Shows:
8 h 21 min
